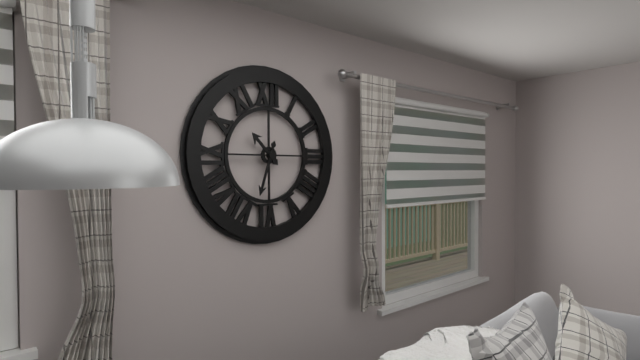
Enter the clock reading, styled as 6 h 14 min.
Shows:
10 h 33 min
